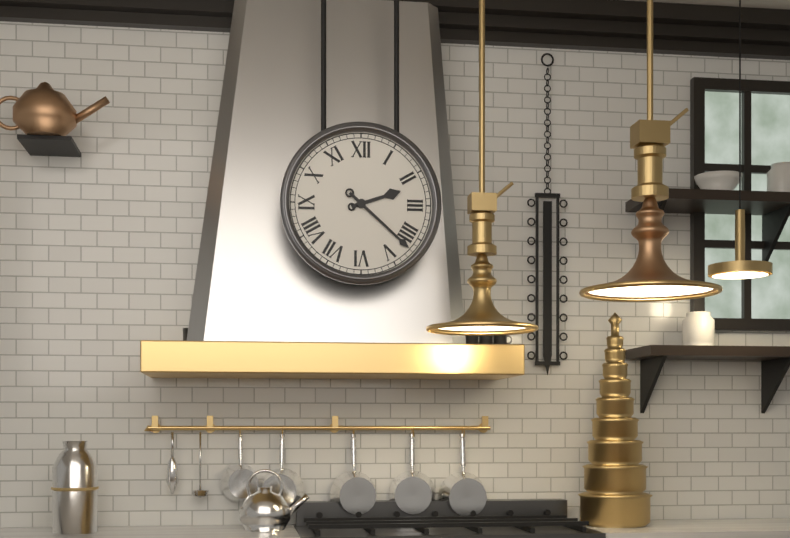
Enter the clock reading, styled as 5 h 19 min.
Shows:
2 h 22 min
